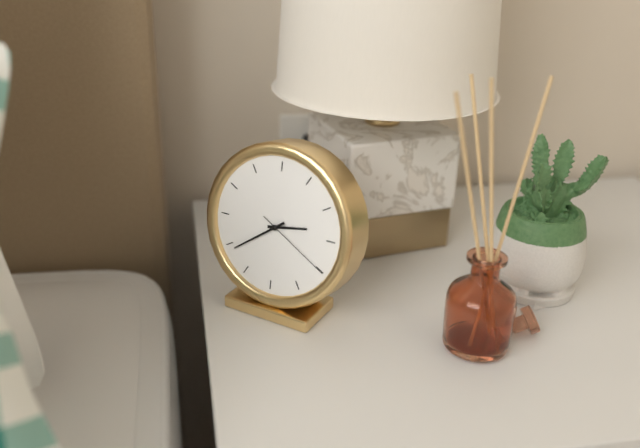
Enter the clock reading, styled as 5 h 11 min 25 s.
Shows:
2 h 39 min 20 s
